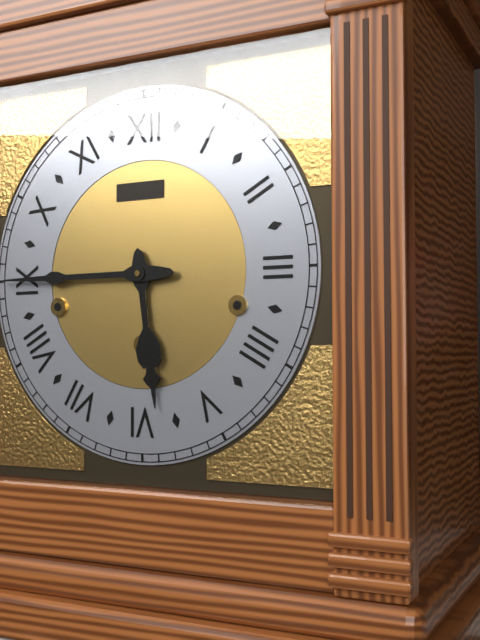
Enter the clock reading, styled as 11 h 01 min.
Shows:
5 h 45 min
